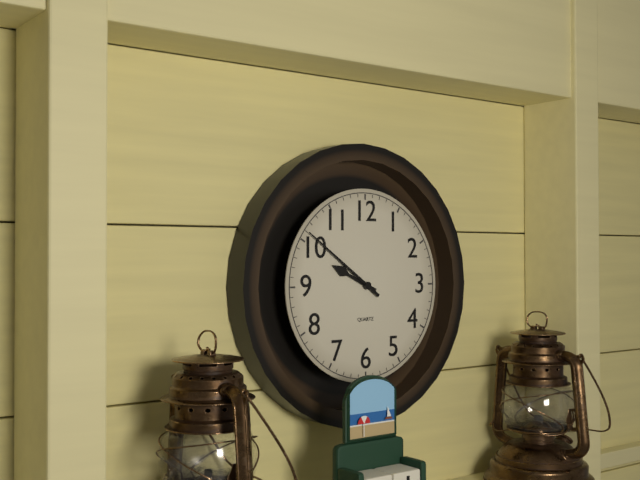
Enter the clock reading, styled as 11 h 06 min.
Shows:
9 h 51 min
